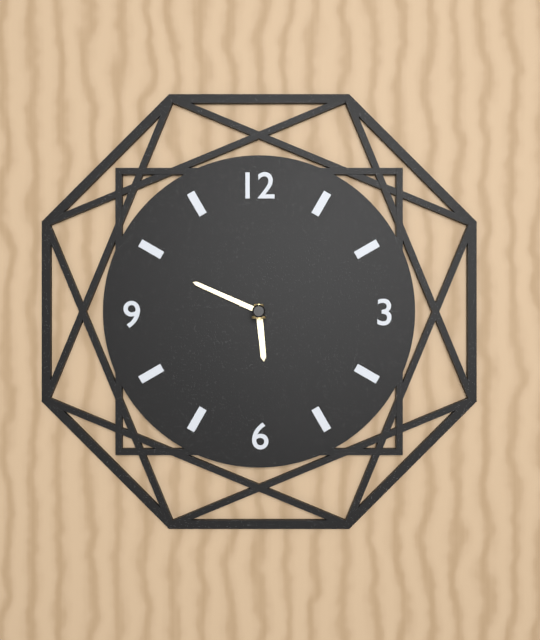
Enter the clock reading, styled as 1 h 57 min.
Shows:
5 h 49 min
